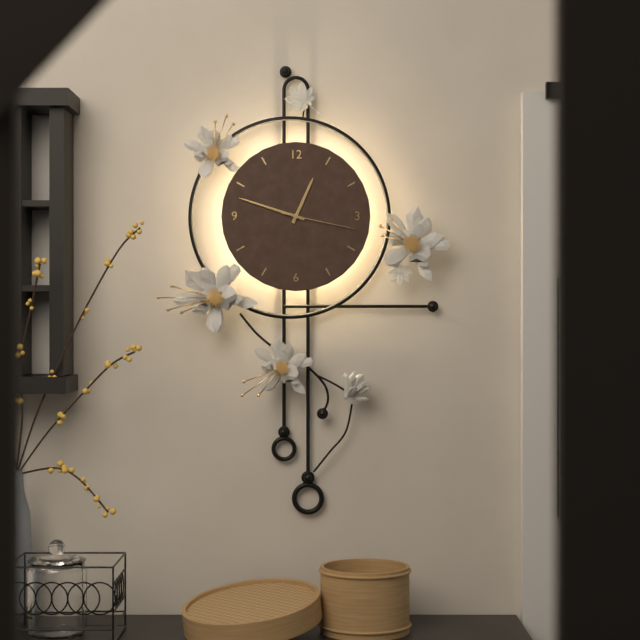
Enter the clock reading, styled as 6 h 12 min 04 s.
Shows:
12 h 48 min 17 s
